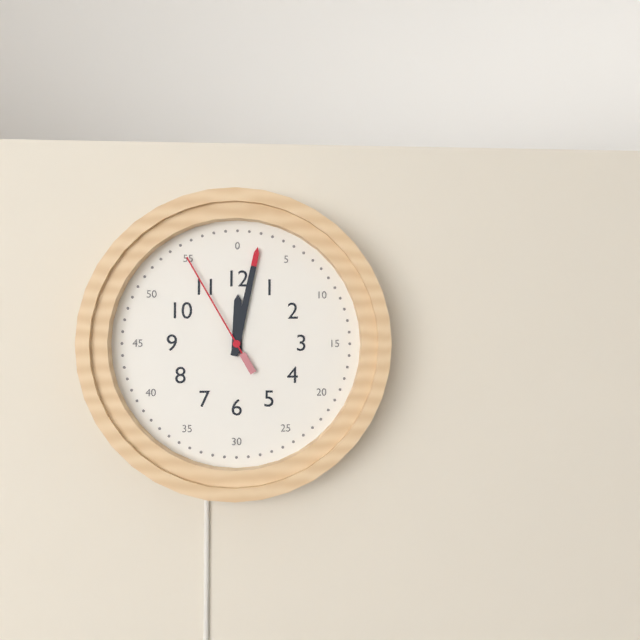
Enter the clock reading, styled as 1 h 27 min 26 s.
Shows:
12 h 02 min 55 s
